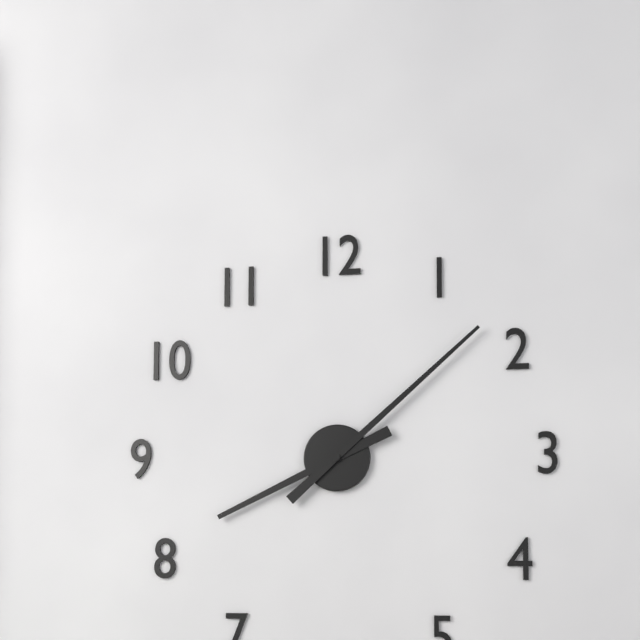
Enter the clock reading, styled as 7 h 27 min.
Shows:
8 h 08 min
